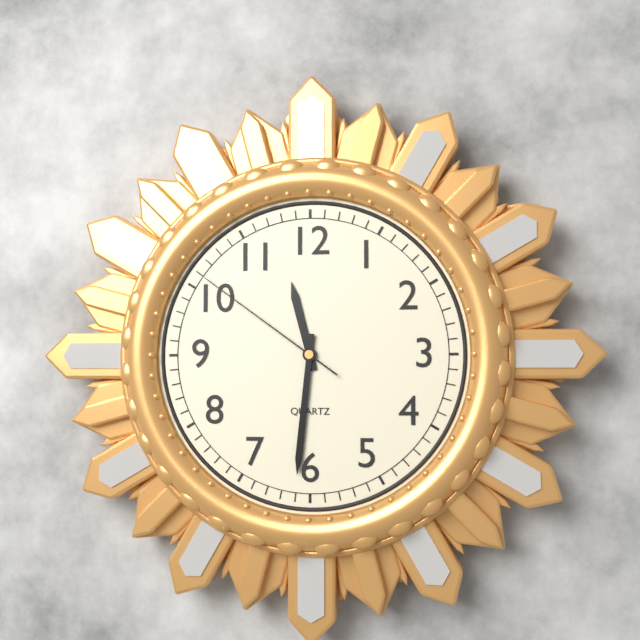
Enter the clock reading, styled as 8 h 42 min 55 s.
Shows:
11 h 31 min 51 s
